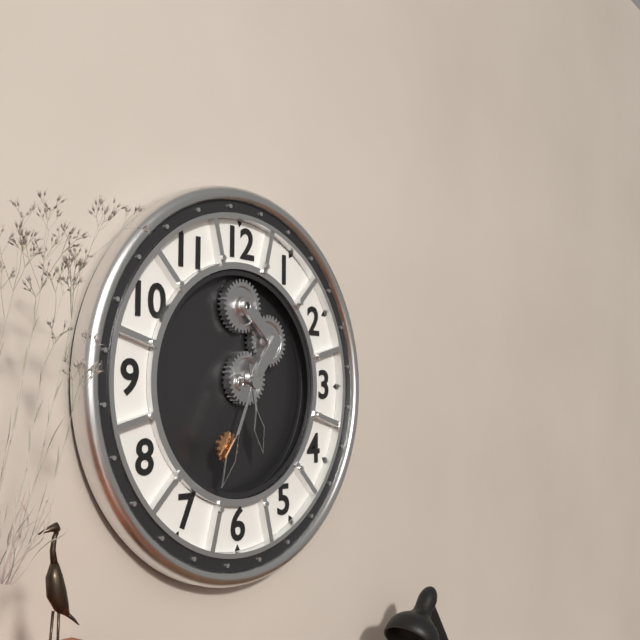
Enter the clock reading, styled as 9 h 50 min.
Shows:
5 h 34 min
